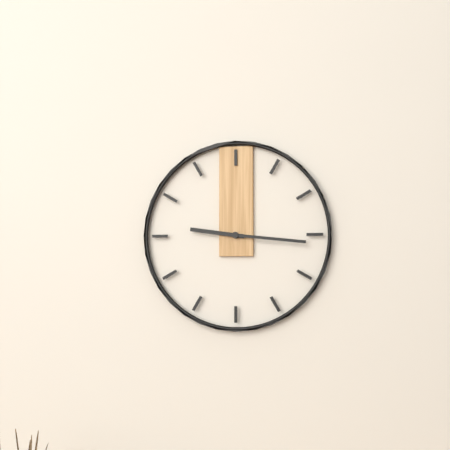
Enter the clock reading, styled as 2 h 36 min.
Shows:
9 h 16 min
